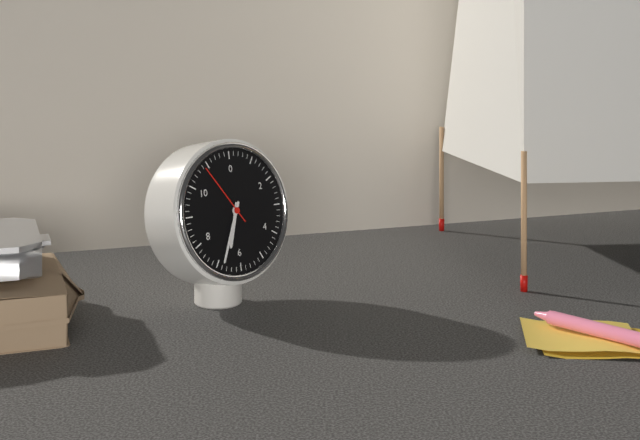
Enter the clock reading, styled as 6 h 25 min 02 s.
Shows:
6 h 34 min 54 s
